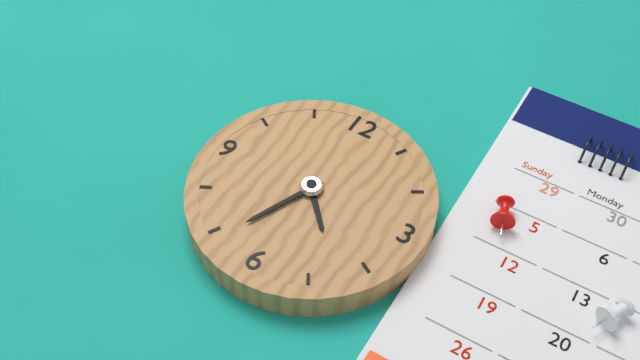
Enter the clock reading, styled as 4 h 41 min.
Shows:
4 h 34 min
